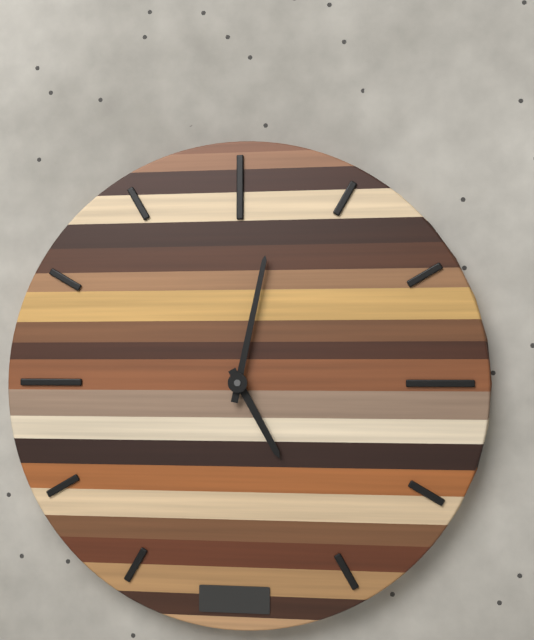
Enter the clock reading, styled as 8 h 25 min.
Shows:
5 h 02 min
